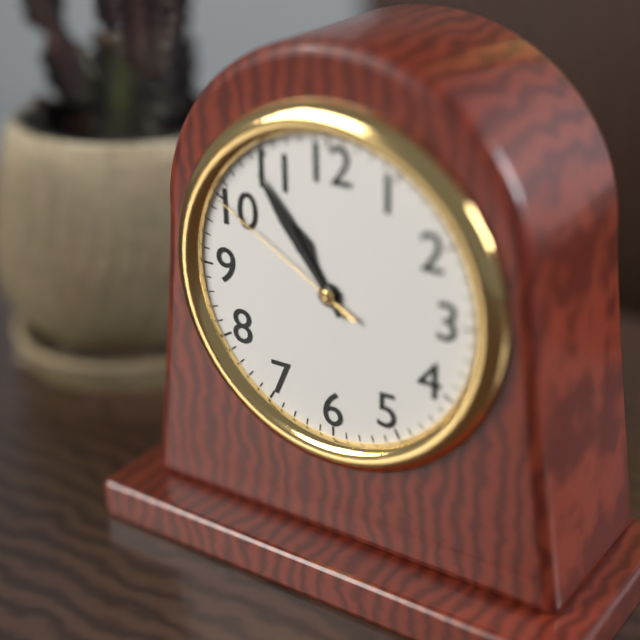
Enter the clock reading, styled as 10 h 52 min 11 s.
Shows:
10 h 54 min 50 s
